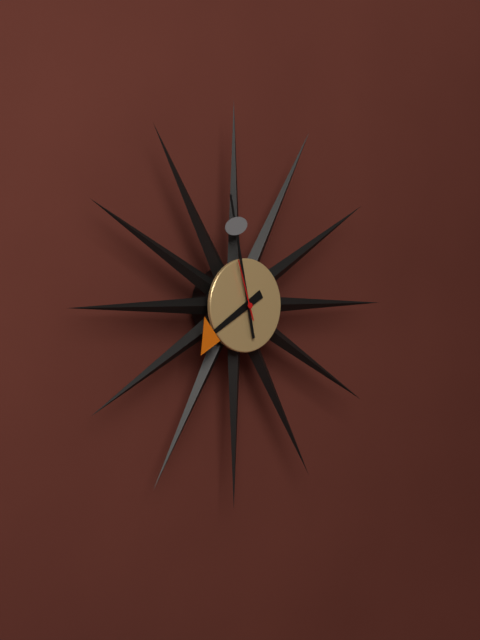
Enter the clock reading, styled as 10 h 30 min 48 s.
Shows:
7 h 58 min 57 s
